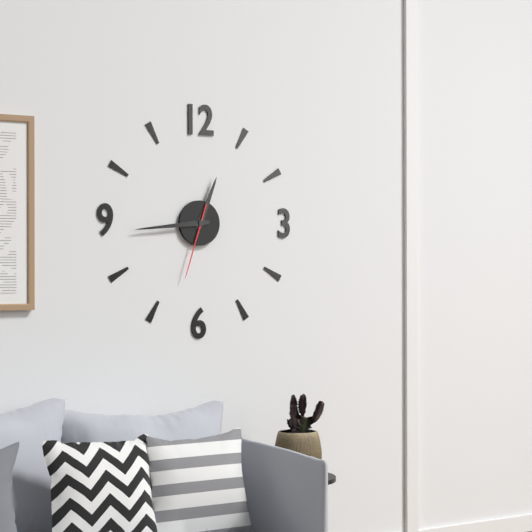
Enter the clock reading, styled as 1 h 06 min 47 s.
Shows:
12 h 44 min 33 s
